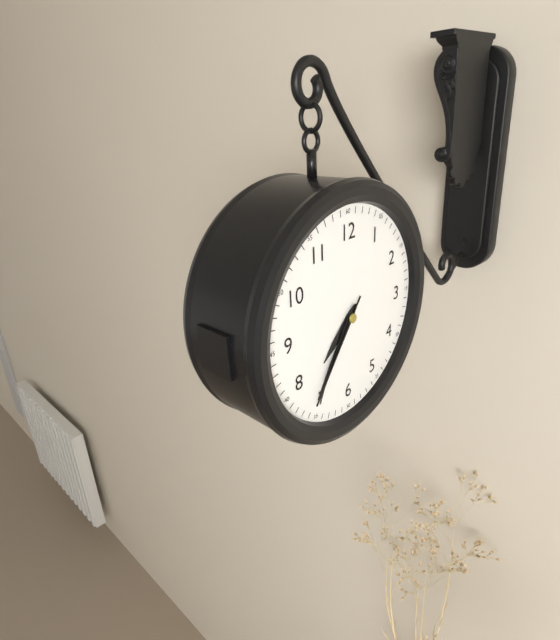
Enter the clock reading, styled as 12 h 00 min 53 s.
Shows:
7 h 36 min 36 s
